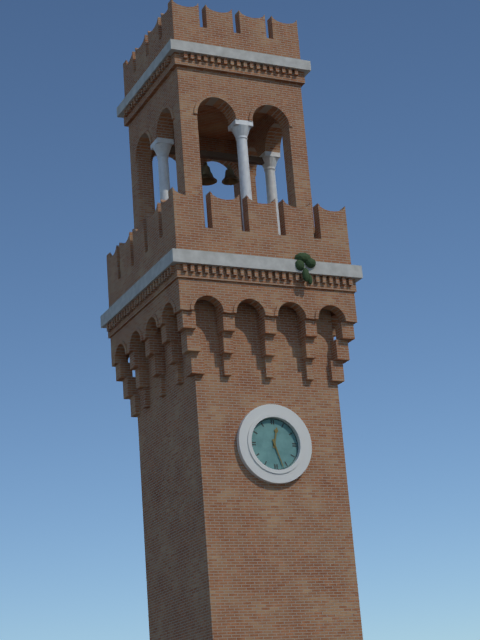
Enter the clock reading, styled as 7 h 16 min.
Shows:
12 h 27 min
